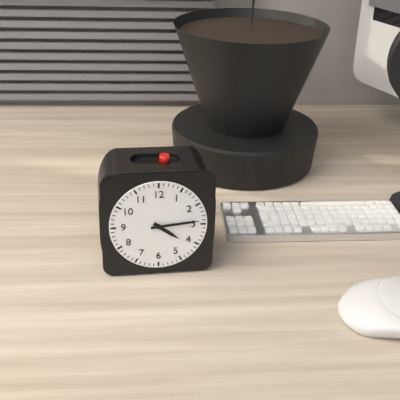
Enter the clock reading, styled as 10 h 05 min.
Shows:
4 h 14 min
